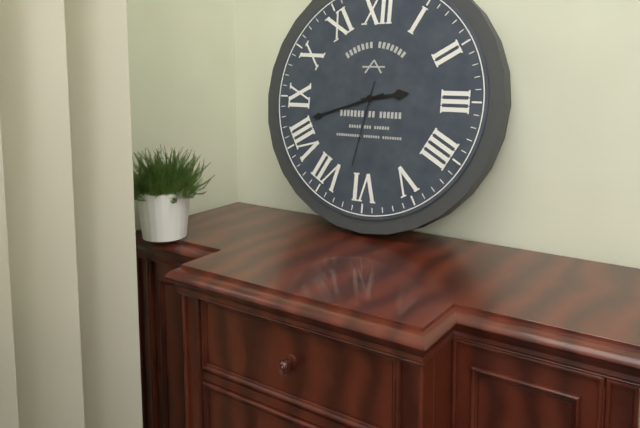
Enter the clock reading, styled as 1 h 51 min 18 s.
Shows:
2 h 42 min 32 s
